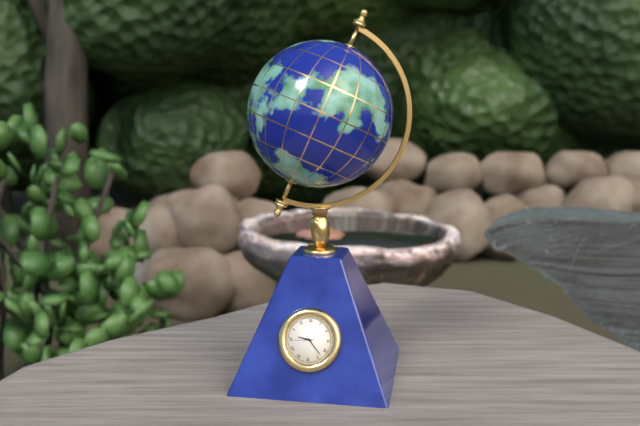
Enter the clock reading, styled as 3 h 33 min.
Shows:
9 h 23 min
